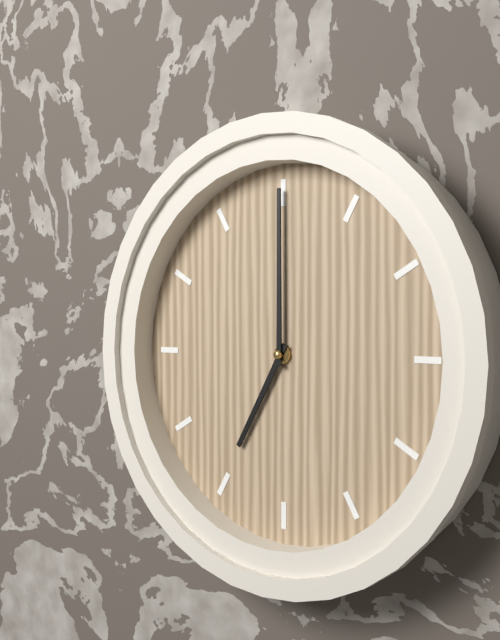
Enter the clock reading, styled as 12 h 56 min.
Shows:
7 h 00 min
